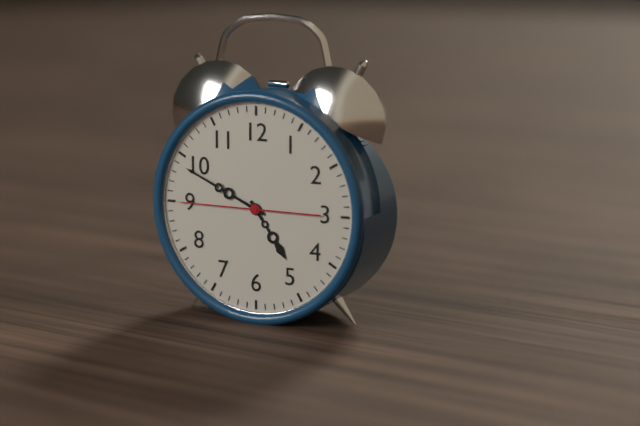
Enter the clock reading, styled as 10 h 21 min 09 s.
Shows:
4 h 49 min 45 s
